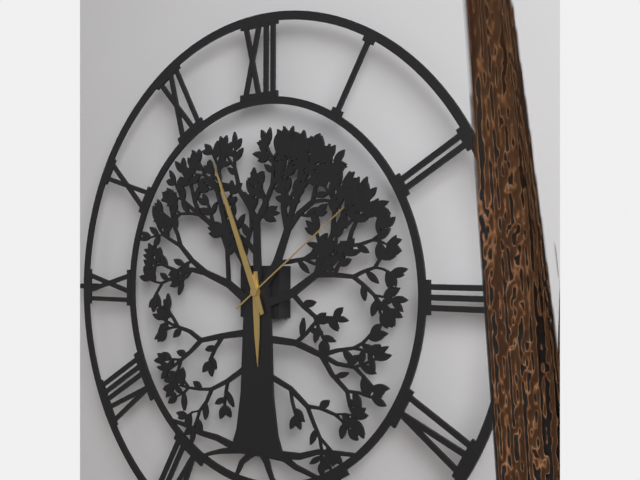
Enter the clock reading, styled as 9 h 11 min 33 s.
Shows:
5 h 56 min 09 s
